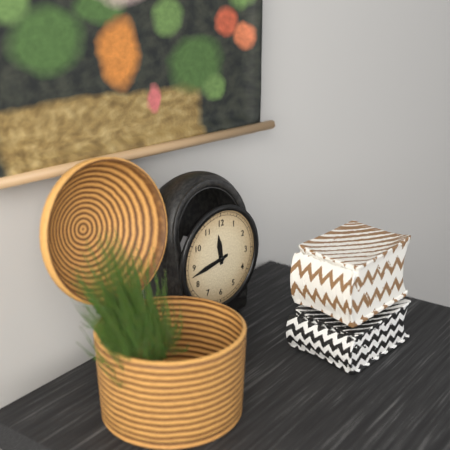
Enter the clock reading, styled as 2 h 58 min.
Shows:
11 h 43 min
